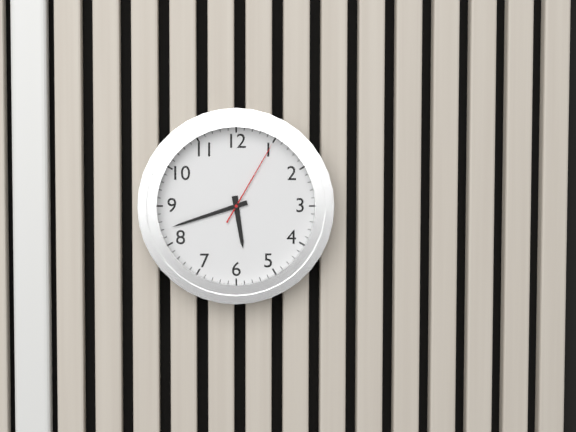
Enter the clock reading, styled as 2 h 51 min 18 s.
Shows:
5 h 42 min 05 s
